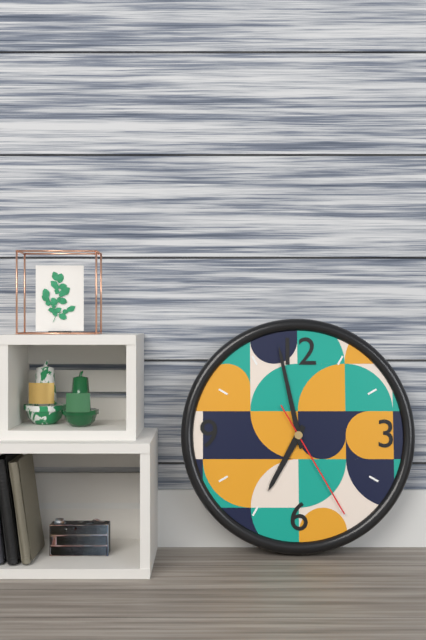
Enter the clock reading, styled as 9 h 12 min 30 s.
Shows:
6 h 58 min 25 s
